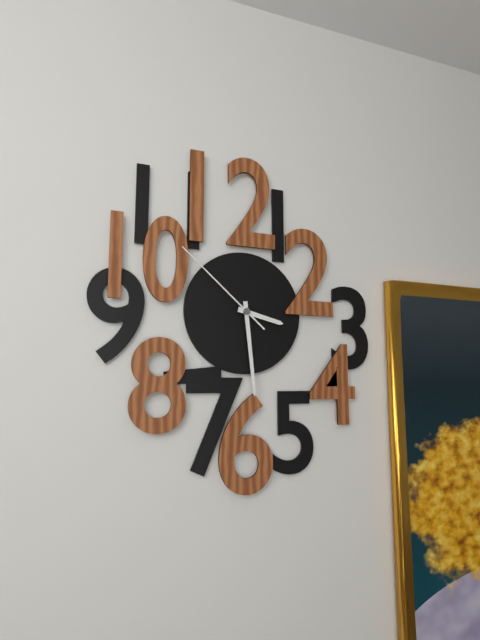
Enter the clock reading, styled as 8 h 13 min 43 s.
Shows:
3 h 29 min 52 s
